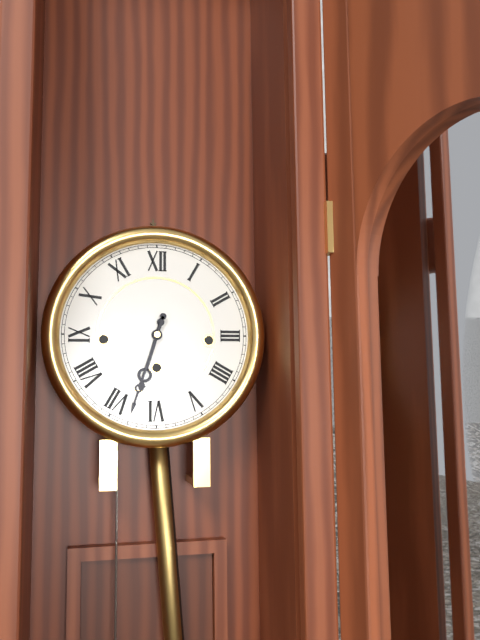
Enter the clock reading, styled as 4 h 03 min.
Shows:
6 h 33 min
